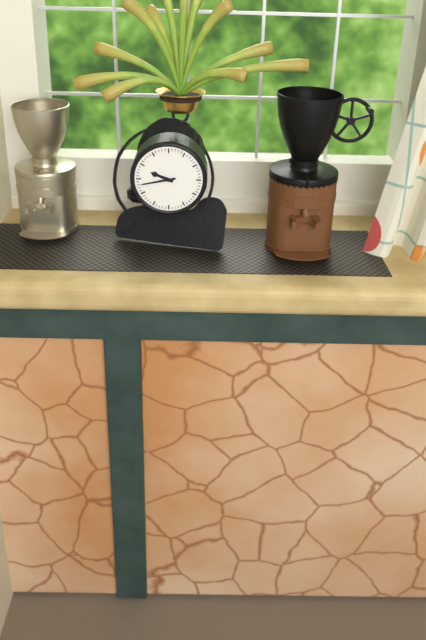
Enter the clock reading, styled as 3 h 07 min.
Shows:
9 h 43 min
